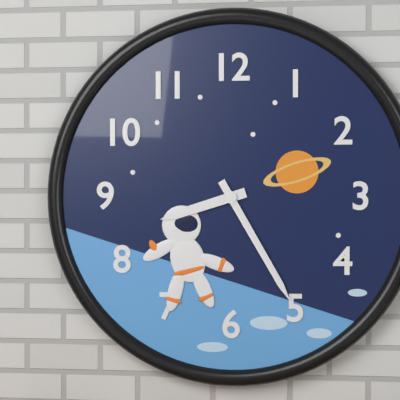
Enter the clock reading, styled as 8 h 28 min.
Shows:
8 h 25 min
